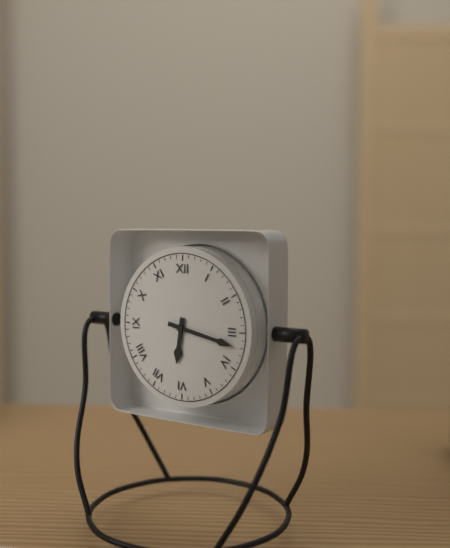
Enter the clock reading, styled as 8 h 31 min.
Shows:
6 h 17 min
